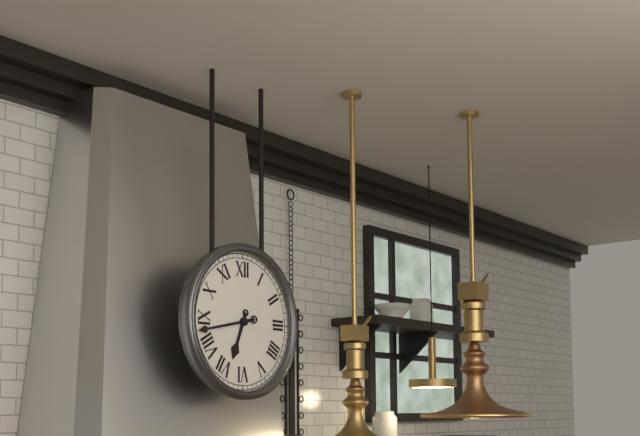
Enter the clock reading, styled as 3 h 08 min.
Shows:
6 h 43 min
